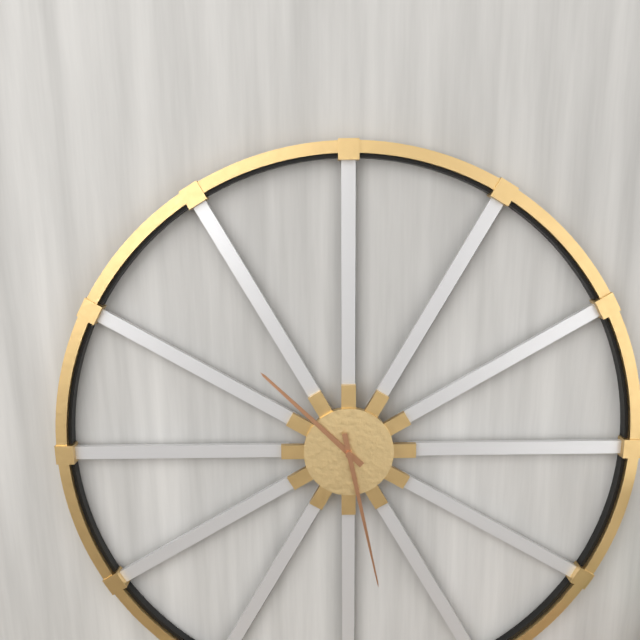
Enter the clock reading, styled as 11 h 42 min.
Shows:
10 h 28 min
